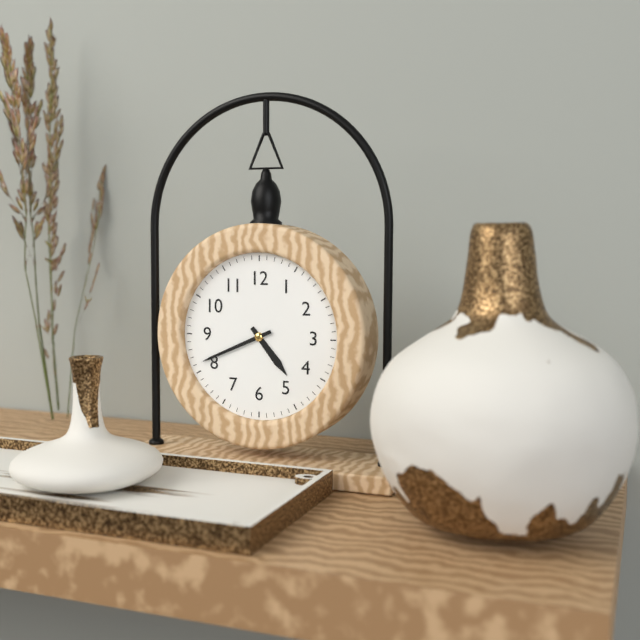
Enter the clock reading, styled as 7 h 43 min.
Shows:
4 h 41 min
